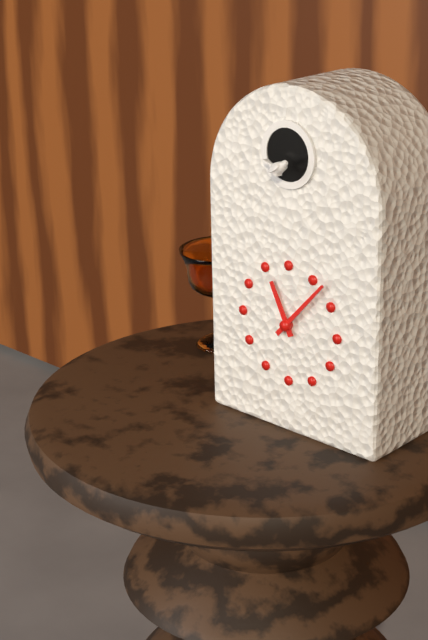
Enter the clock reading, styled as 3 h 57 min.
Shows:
11 h 07 min
